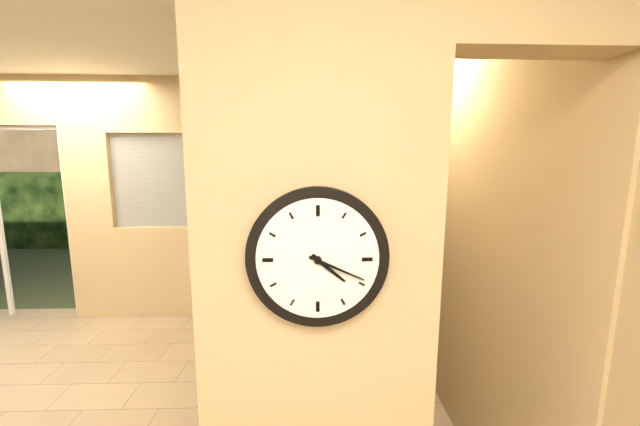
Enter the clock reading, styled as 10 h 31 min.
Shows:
4 h 19 min
